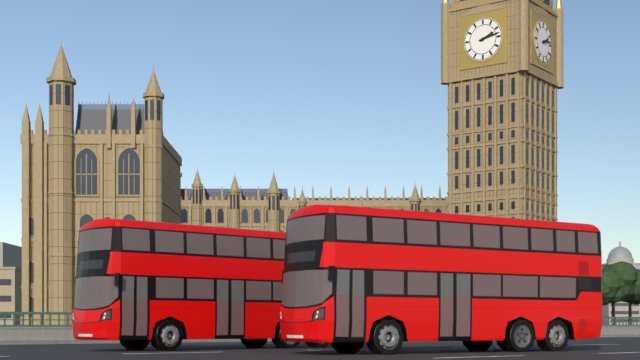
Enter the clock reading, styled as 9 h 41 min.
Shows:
2 h 13 min
